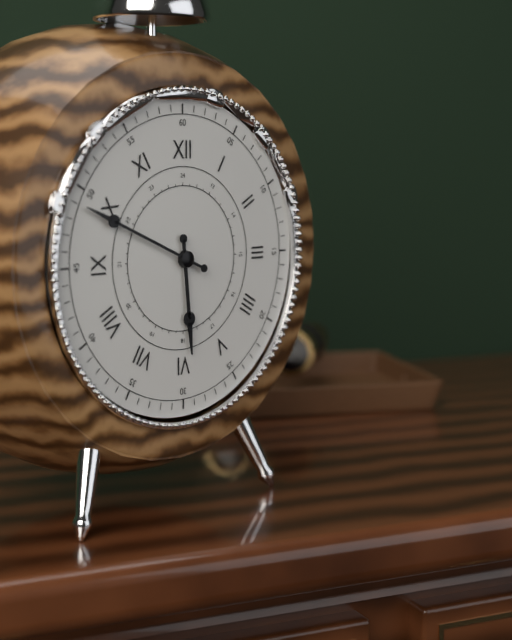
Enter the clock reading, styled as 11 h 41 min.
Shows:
5 h 49 min
